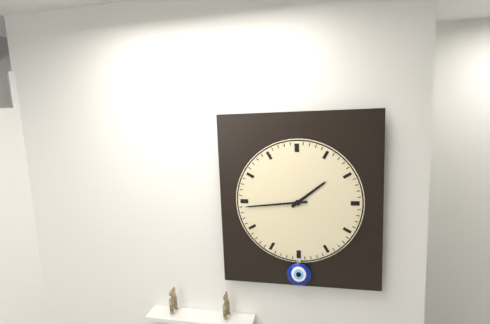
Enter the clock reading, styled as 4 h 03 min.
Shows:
1 h 44 min
